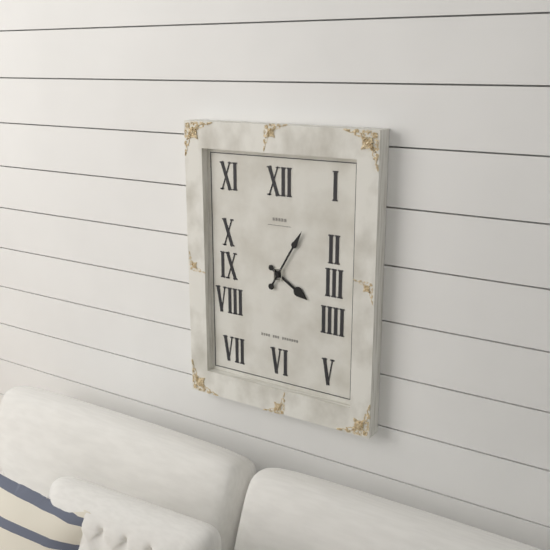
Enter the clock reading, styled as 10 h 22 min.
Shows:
4 h 05 min
